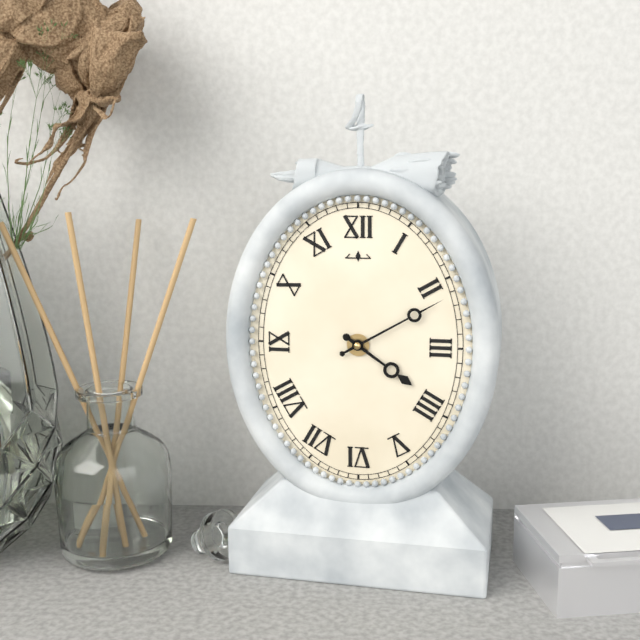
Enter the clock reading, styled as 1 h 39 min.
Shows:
4 h 10 min
